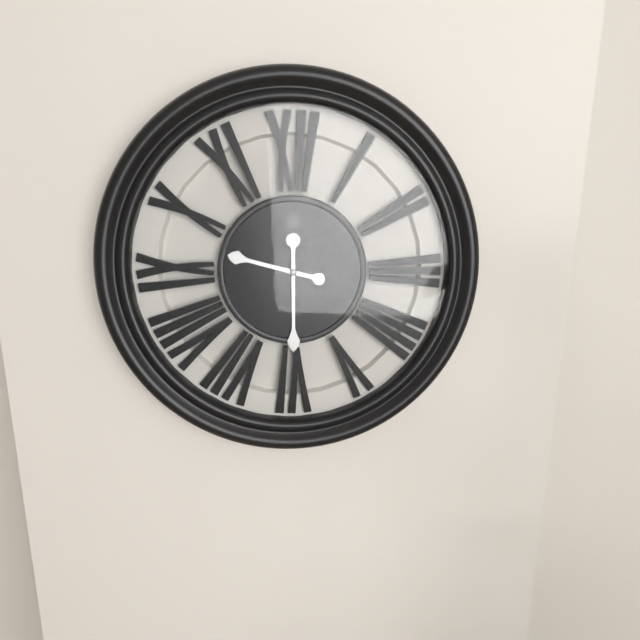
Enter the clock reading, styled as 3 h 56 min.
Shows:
9 h 30 min
